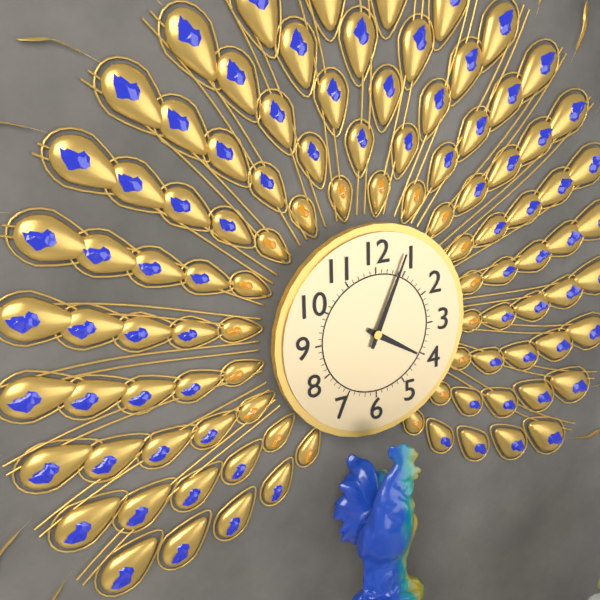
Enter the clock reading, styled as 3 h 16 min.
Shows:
4 h 04 min
